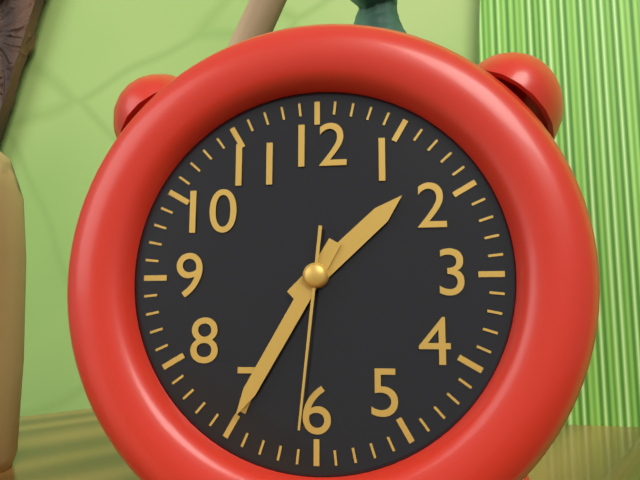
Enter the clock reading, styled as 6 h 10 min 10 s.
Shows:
1 h 35 min 31 s
